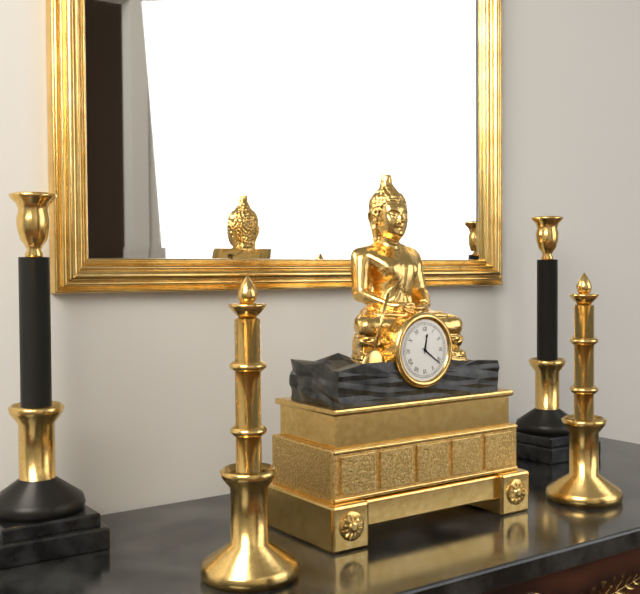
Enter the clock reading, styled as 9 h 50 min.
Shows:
12 h 21 min
